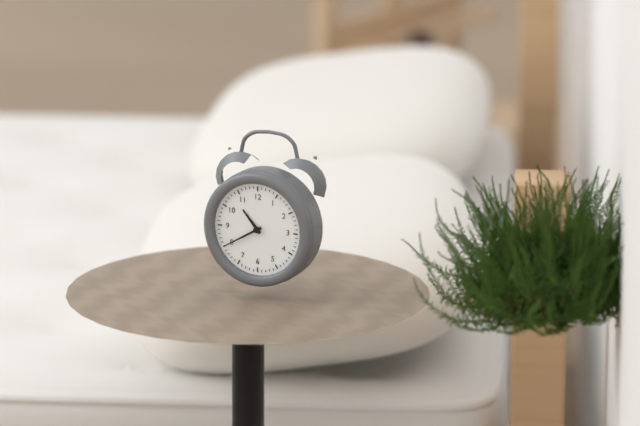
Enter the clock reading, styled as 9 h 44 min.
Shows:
10 h 40 min
